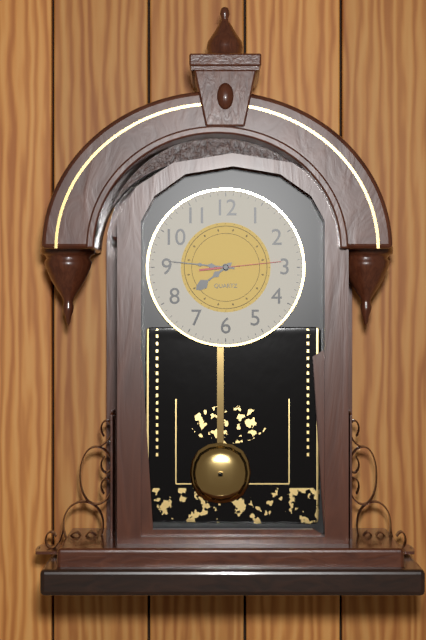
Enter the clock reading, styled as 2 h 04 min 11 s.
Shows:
7 h 46 min 14 s
